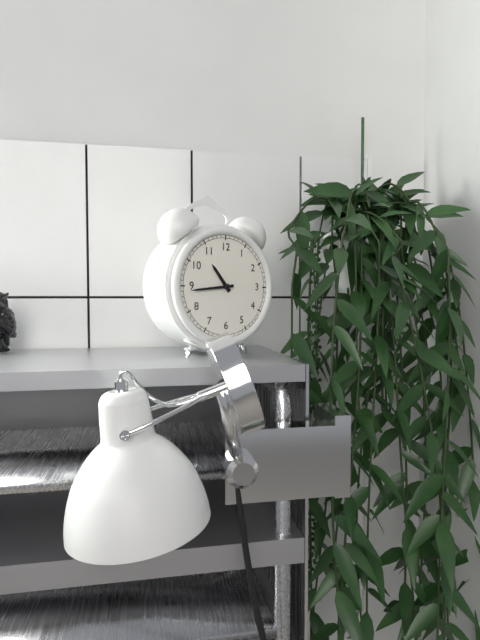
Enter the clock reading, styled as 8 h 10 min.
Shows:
10 h 44 min
